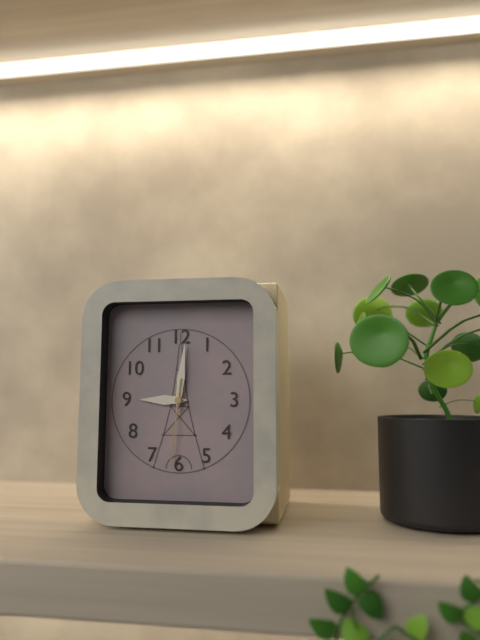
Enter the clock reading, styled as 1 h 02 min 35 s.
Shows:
9 h 01 min 31 s
